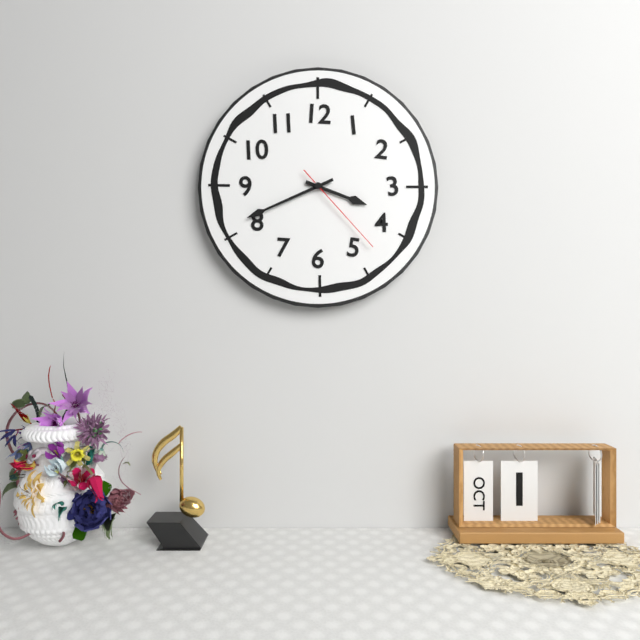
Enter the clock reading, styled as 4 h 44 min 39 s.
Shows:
3 h 41 min 23 s
